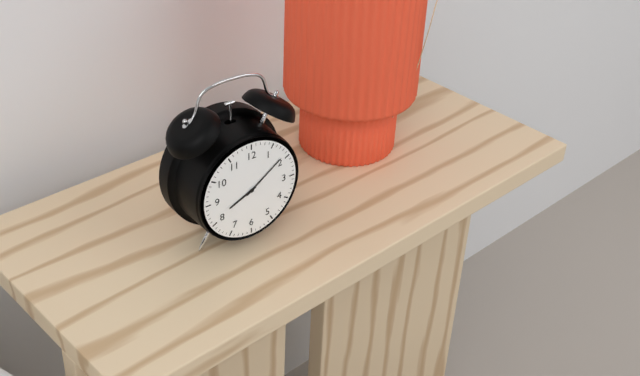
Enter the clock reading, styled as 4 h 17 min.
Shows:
8 h 09 min
